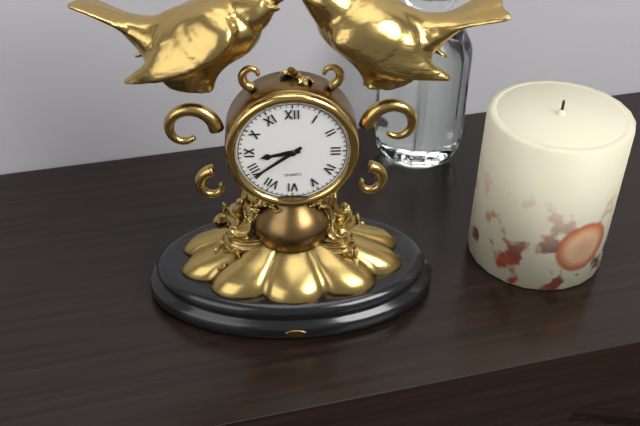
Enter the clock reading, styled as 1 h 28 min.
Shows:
8 h 39 min
